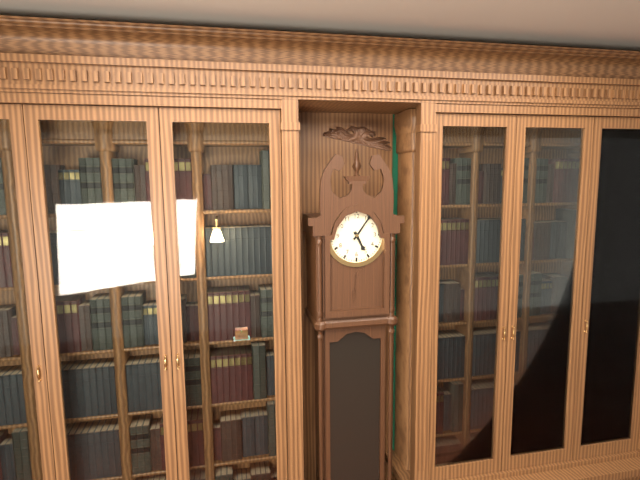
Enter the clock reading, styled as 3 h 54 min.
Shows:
5 h 06 min
